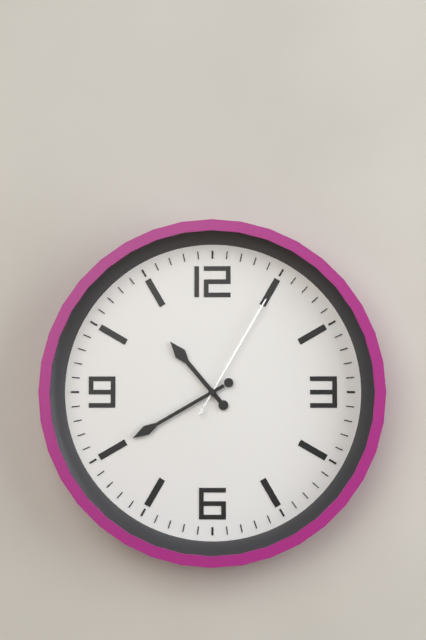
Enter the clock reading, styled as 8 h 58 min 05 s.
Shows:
10 h 40 min 05 s
